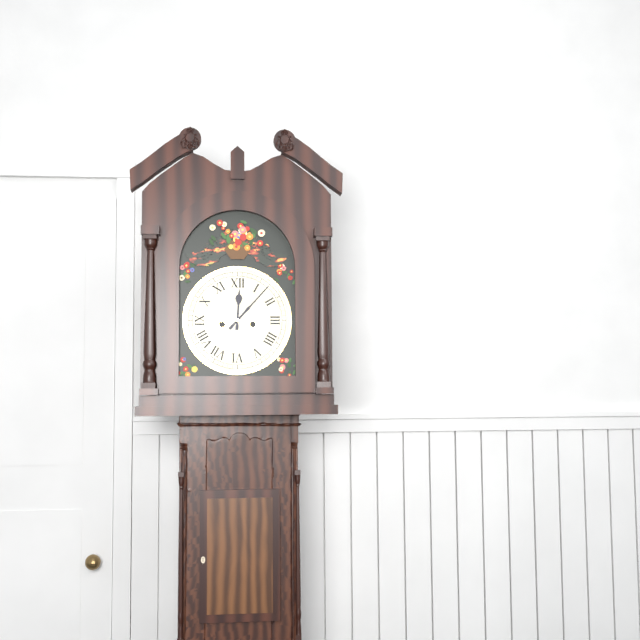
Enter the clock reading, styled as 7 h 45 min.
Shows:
12 h 07 min
